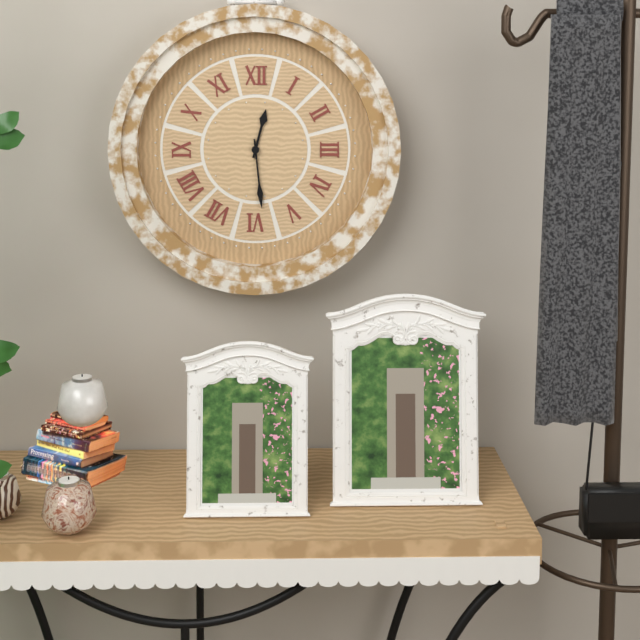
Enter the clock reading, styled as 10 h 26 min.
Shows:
12 h 29 min
